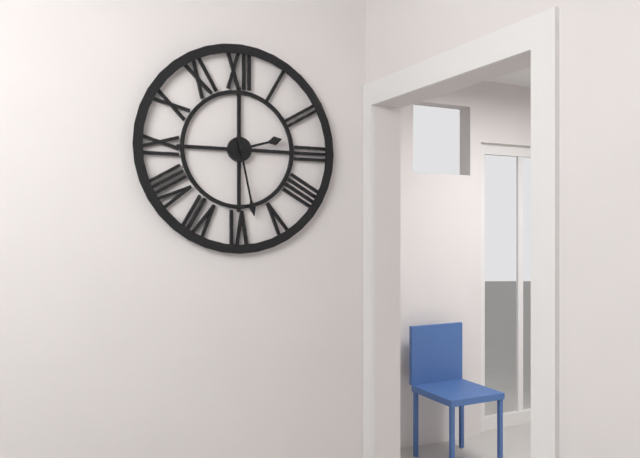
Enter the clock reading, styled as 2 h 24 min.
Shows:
2 h 28 min
